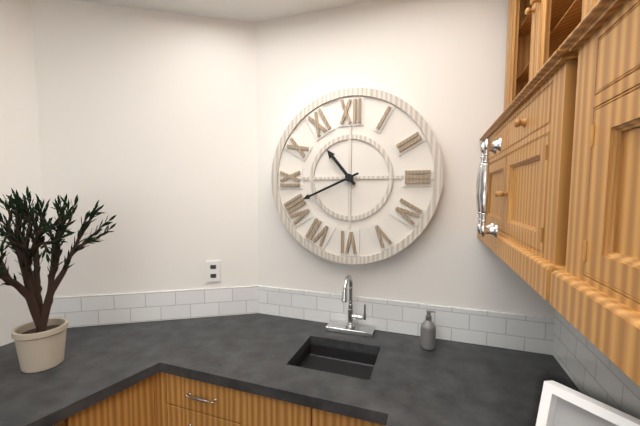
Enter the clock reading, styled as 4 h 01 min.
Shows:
10 h 41 min
